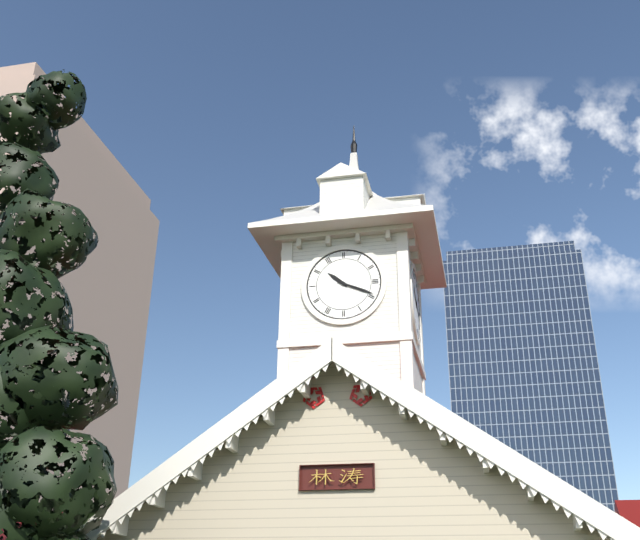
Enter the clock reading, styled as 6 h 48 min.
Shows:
10 h 19 min
